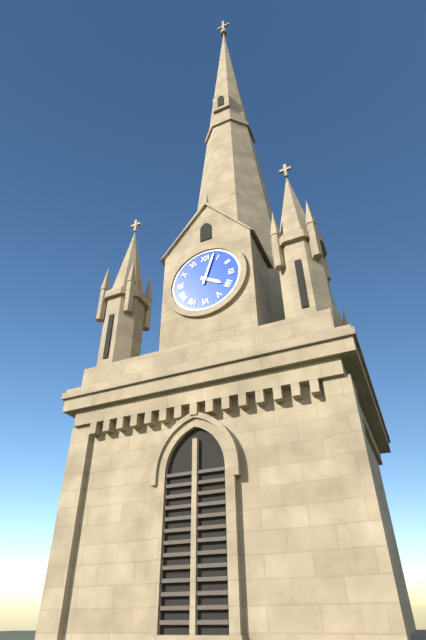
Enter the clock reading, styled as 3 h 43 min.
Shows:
4 h 03 min
